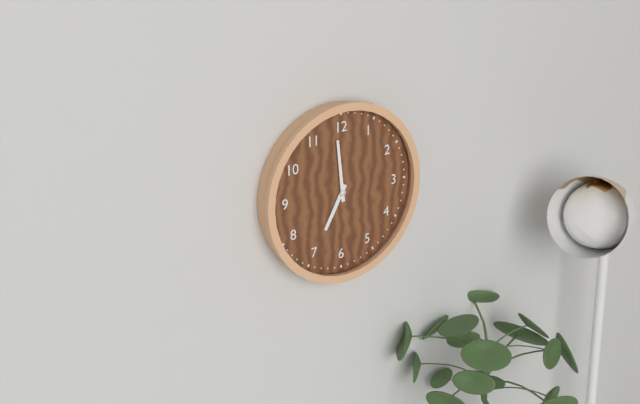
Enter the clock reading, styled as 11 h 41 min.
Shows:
6 h 59 min
